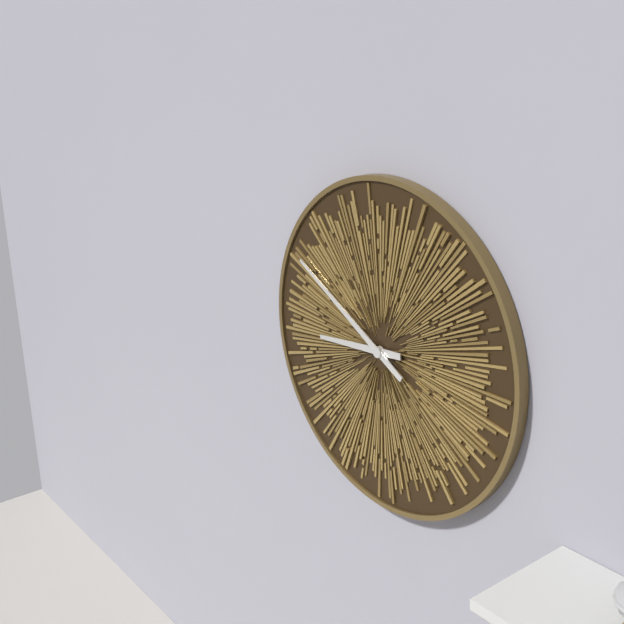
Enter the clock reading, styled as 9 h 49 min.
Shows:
8 h 50 min
